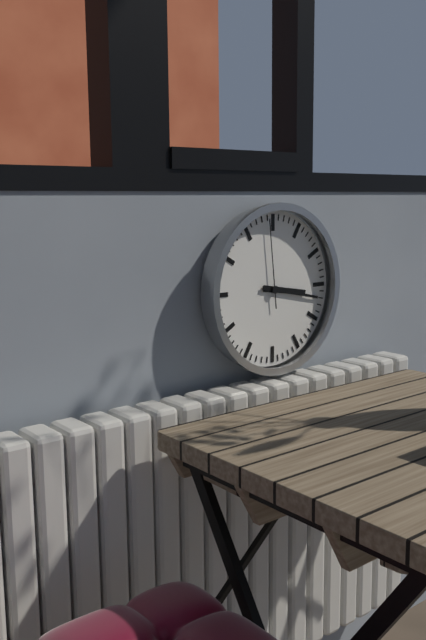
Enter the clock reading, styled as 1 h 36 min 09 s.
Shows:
3 h 17 min 59 s
